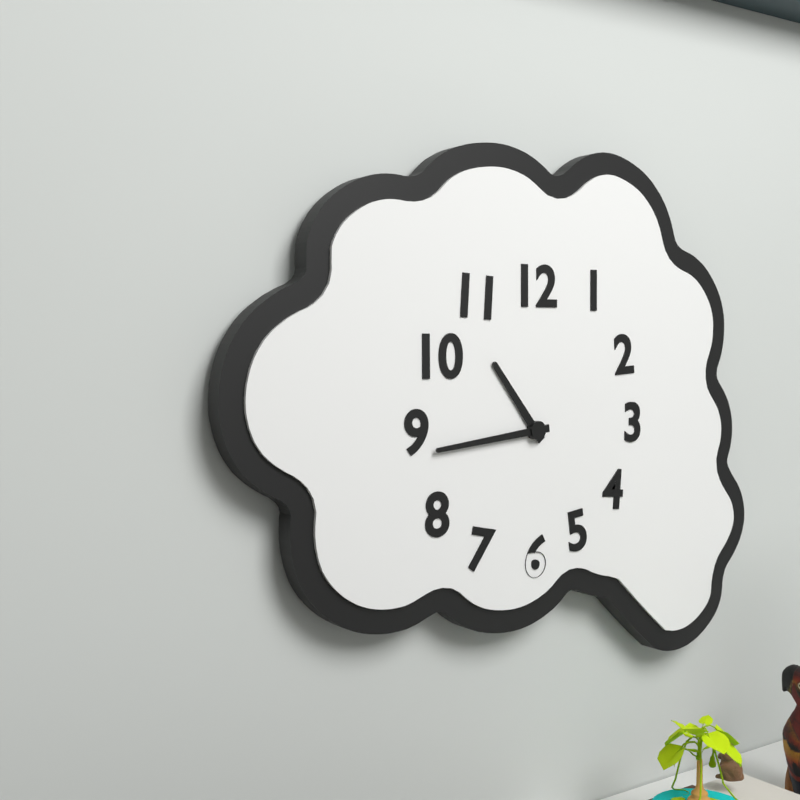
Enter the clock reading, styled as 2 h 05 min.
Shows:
10 h 44 min
